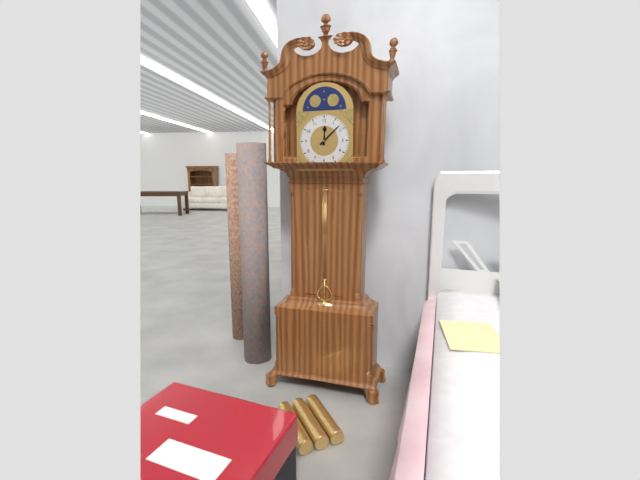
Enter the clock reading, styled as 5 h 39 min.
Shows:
12 h 08 min
